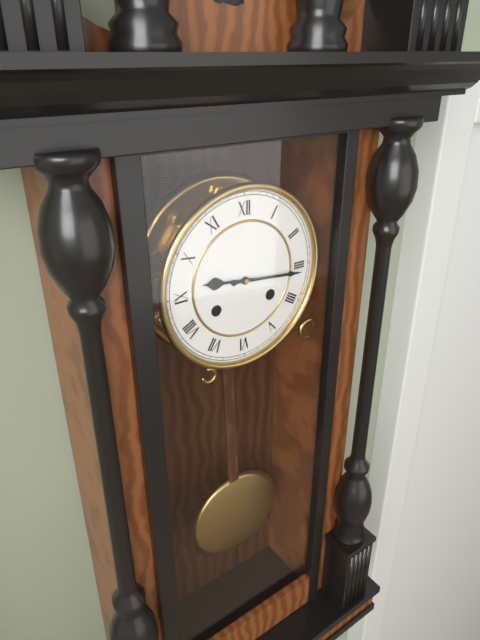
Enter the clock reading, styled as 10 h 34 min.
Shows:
9 h 16 min
